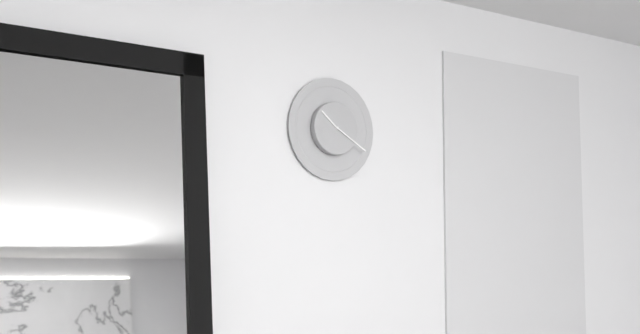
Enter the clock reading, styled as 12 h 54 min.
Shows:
10 h 20 min
